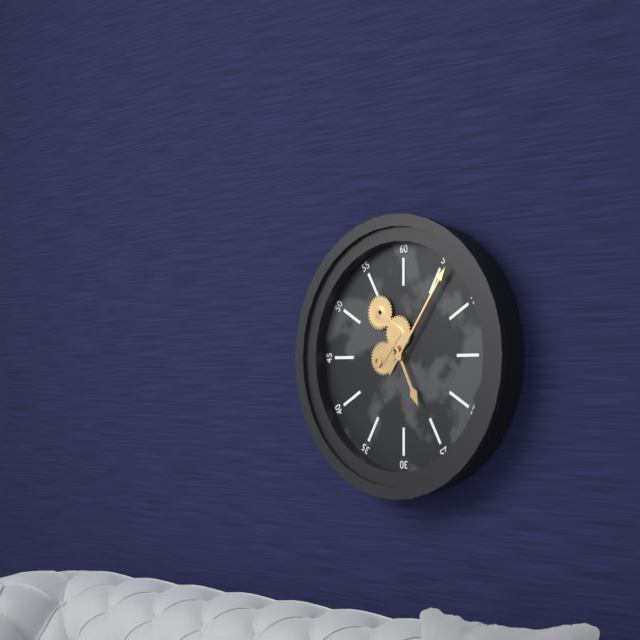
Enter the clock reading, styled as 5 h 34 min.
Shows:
5 h 06 min
